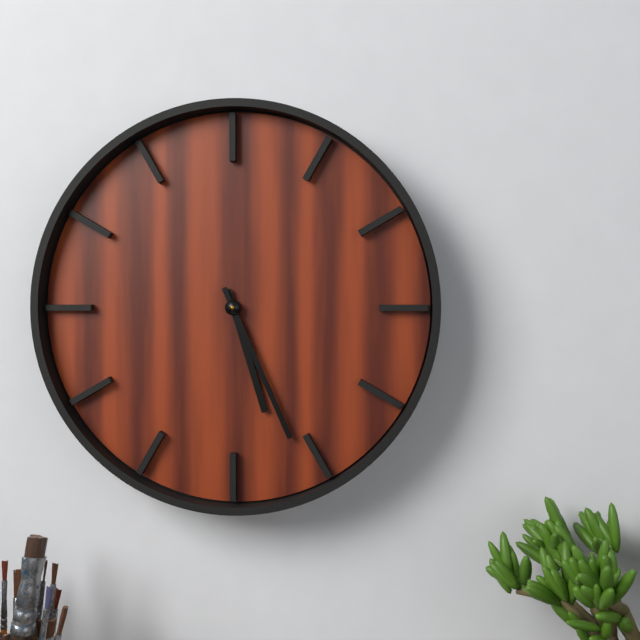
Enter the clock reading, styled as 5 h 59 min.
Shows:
5 h 26 min
